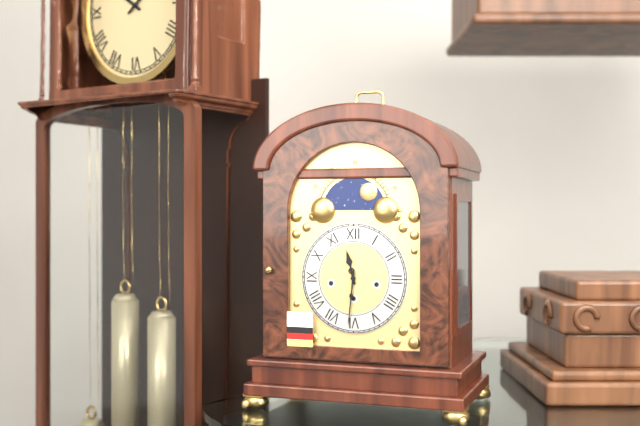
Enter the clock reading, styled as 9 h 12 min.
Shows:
11 h 31 min
